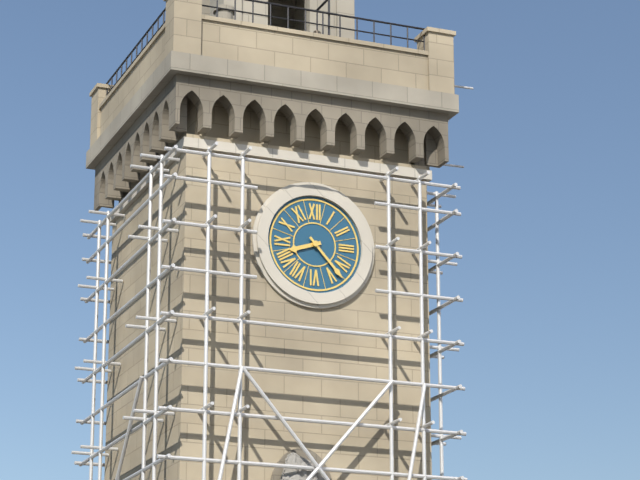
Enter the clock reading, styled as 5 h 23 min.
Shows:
8 h 23 min
